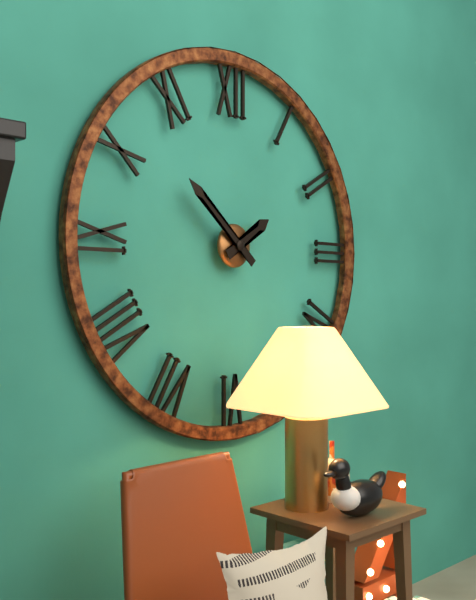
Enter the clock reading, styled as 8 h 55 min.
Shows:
1 h 52 min
